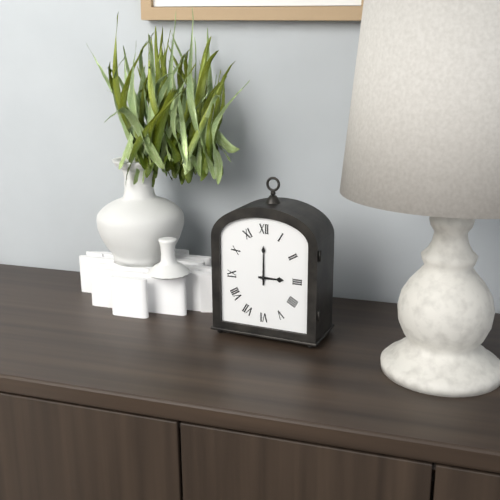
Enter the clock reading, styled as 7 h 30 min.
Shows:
3 h 00 min
